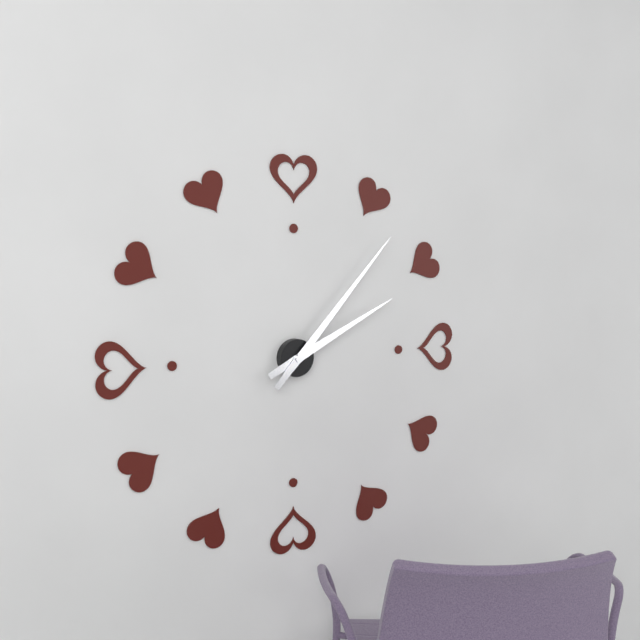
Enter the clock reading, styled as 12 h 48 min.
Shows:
2 h 07 min
